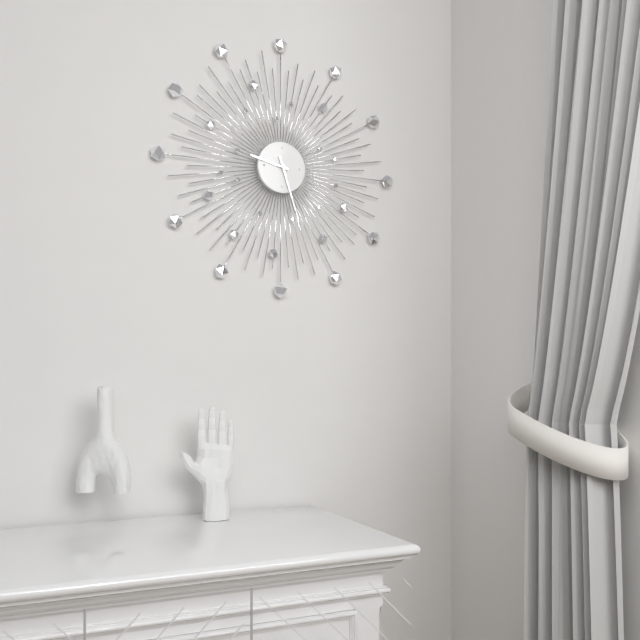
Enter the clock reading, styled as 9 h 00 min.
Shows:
9 h 27 min
